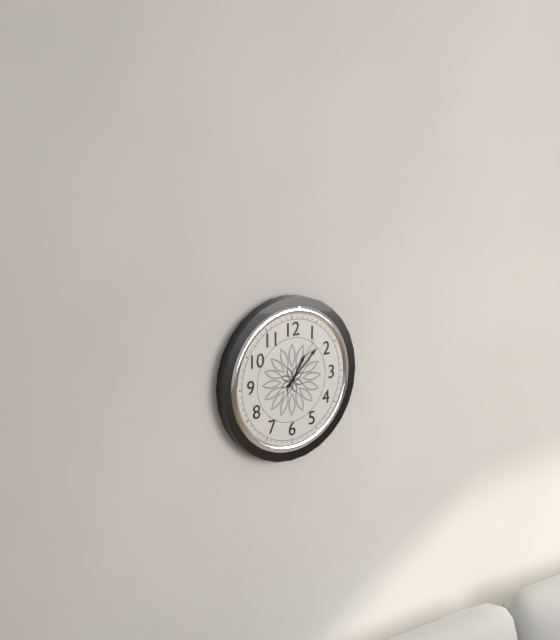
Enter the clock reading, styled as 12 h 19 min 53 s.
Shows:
1 h 08 min 06 s
